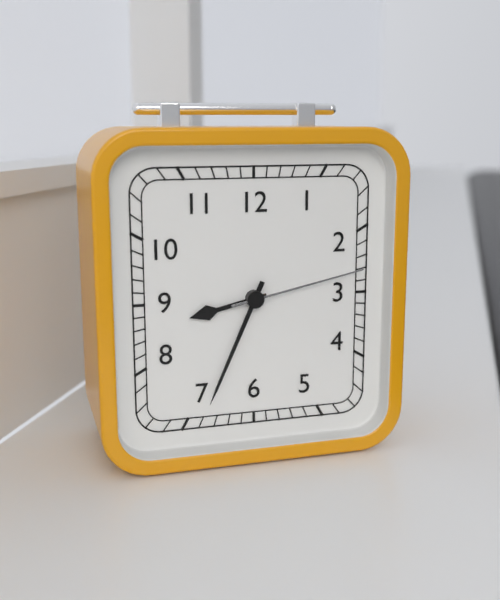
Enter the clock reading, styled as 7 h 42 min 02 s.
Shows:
8 h 34 min 13 s
